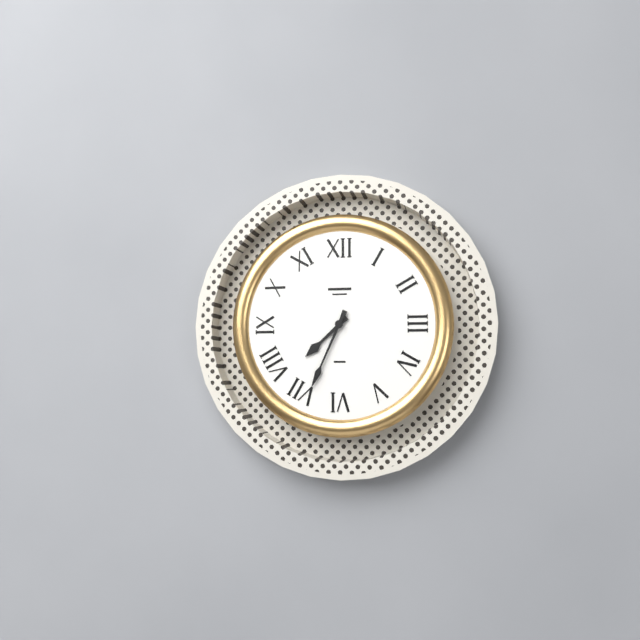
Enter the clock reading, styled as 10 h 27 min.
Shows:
7 h 34 min
